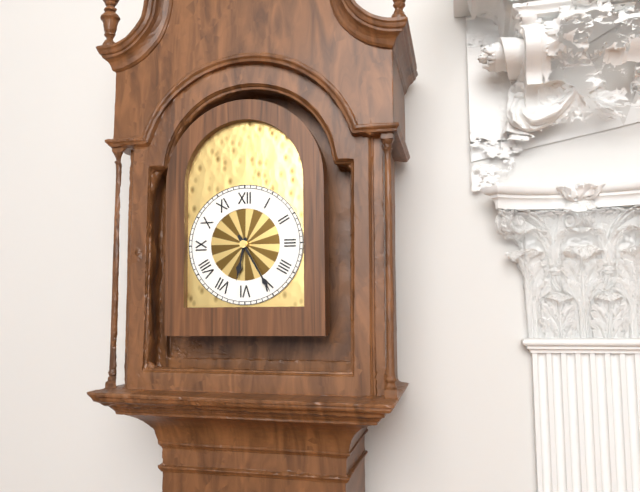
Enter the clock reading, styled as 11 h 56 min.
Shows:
6 h 25 min
